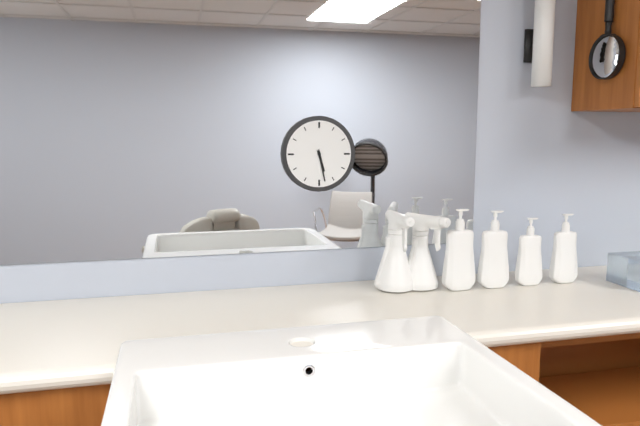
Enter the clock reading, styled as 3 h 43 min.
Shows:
5 h 28 min
